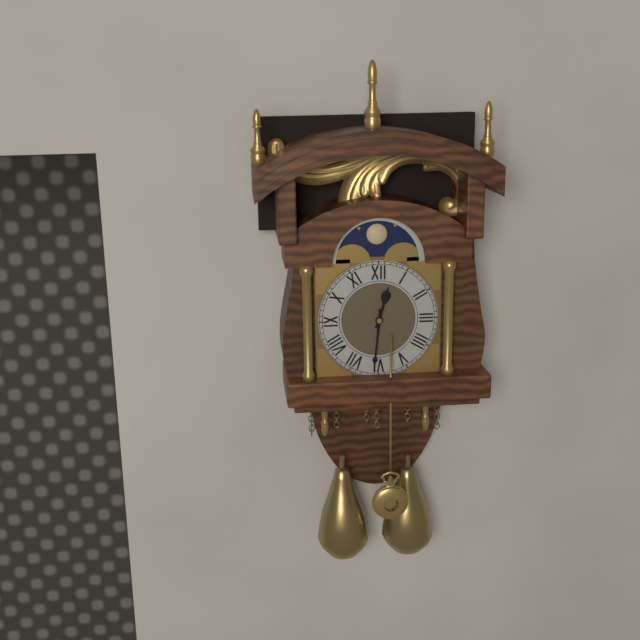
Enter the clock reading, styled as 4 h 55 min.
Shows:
12 h 31 min
